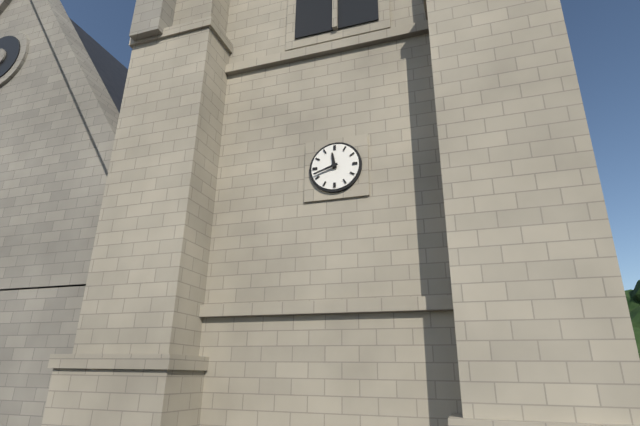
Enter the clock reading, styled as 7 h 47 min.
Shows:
11 h 42 min
